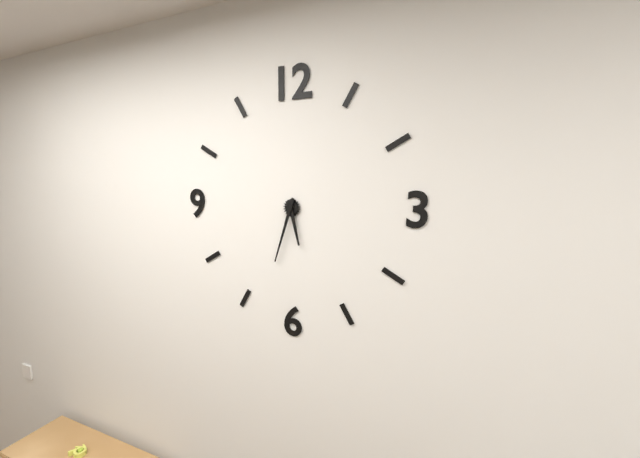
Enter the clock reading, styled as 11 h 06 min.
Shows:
5 h 33 min
